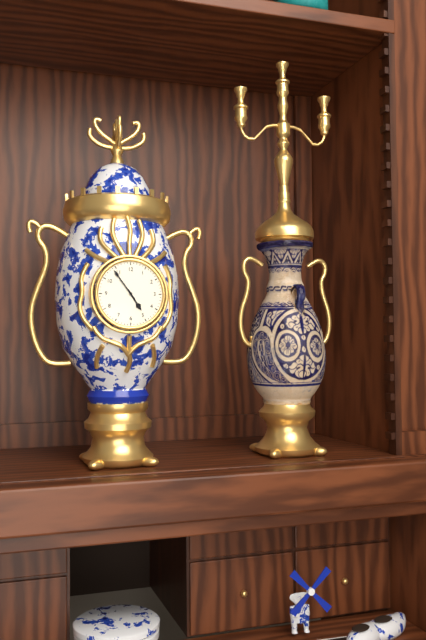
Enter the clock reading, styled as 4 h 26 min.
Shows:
4 h 54 min
